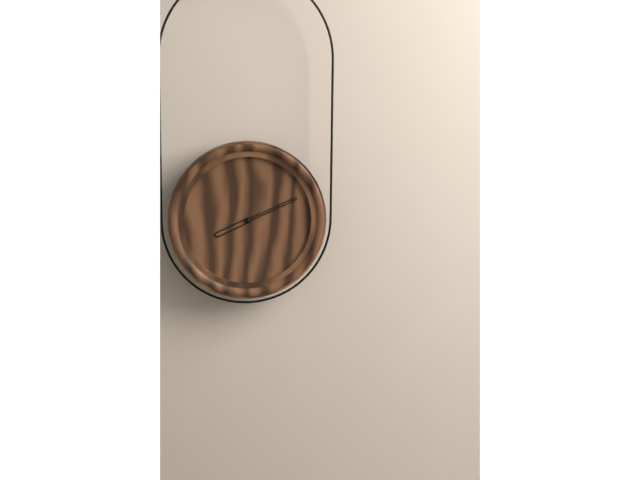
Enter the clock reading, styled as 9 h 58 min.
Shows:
8 h 11 min
